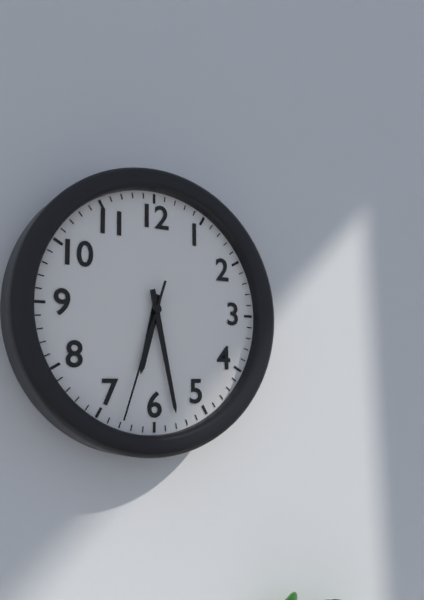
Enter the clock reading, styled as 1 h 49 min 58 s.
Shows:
6 h 28 min 33 s
